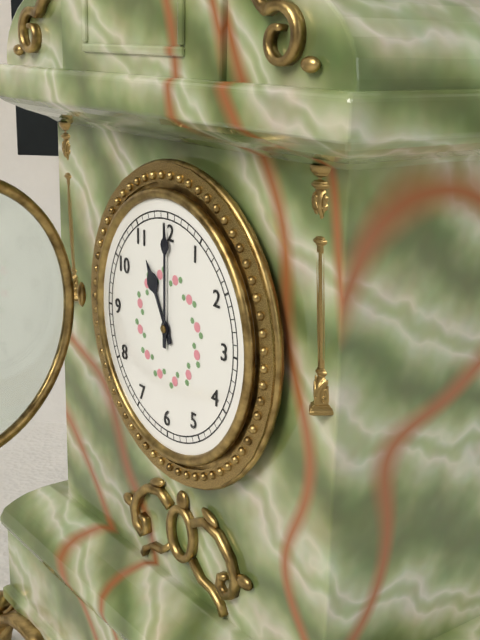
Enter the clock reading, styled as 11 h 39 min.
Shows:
11 h 00 min
